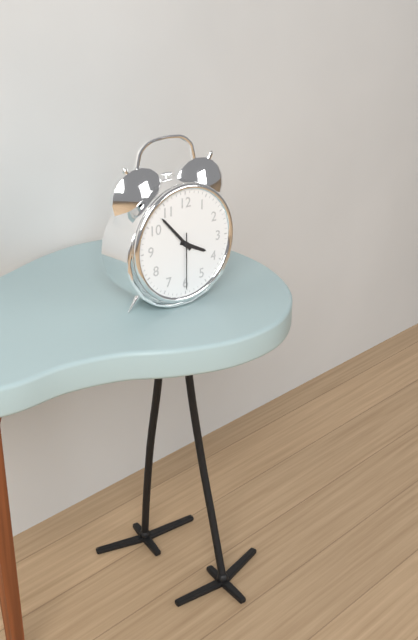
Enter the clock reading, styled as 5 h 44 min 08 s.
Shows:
3 h 53 min 30 s
